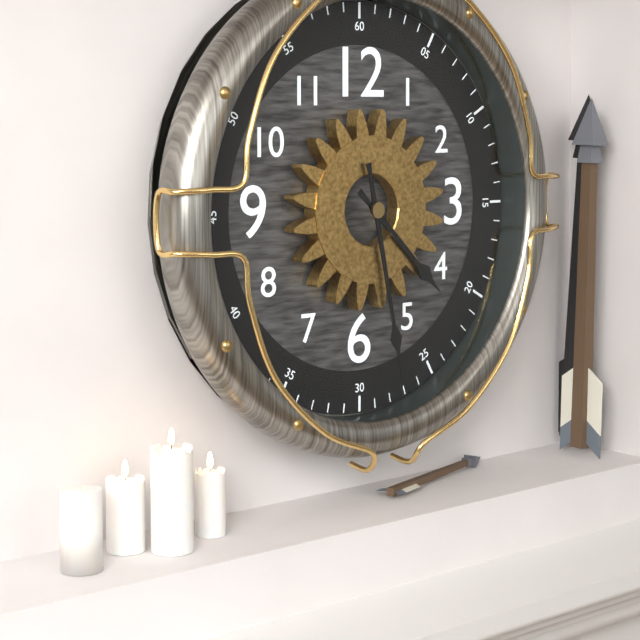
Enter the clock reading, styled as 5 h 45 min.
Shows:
4 h 28 min
